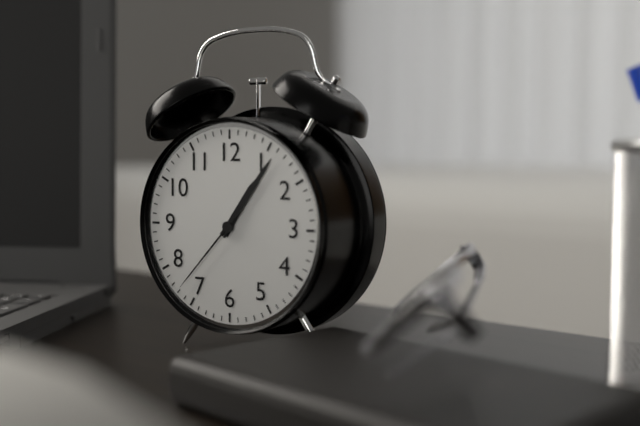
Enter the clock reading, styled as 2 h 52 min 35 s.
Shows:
1 h 06 min 37 s
